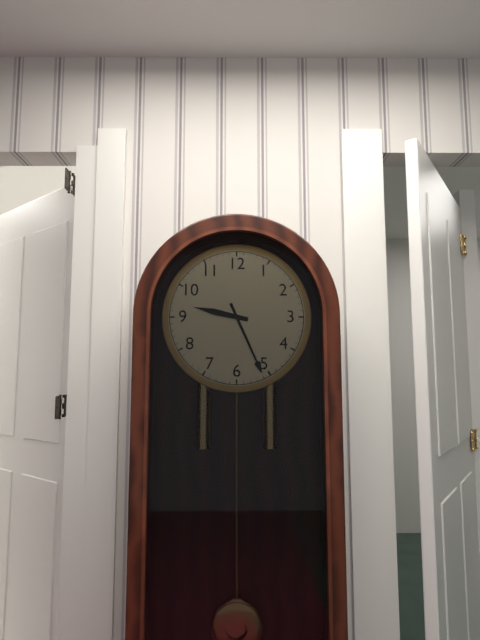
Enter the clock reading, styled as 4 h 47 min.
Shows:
9 h 26 min
